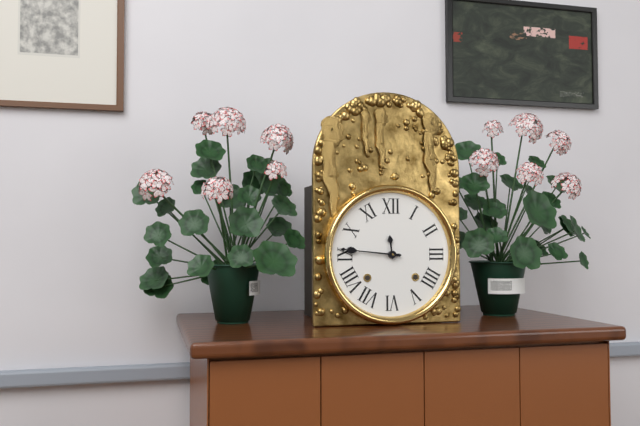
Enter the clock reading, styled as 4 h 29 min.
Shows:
11 h 46 min
